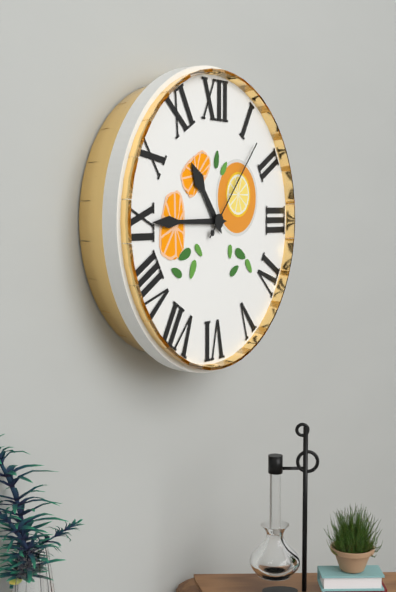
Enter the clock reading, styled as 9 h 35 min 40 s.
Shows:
10 h 45 min 07 s
